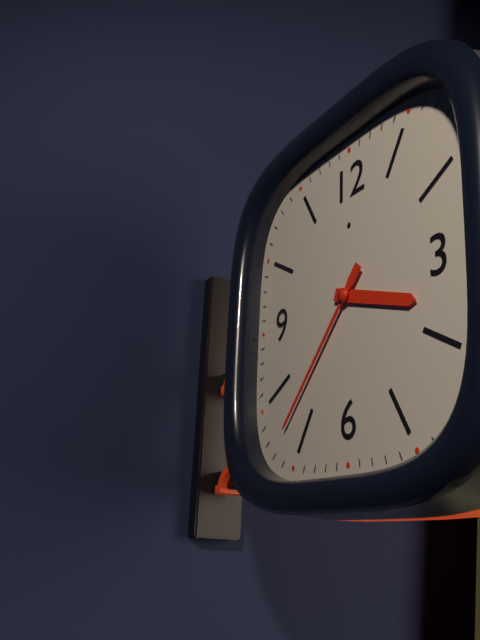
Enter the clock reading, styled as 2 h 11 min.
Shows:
3 h 37 min
